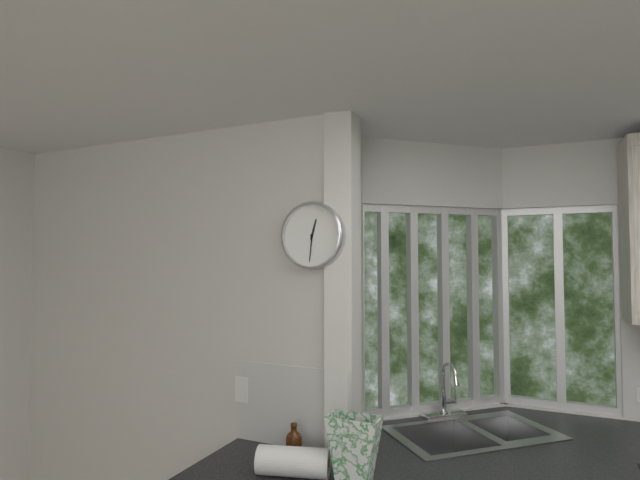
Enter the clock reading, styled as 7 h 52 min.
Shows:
12 h 31 min
